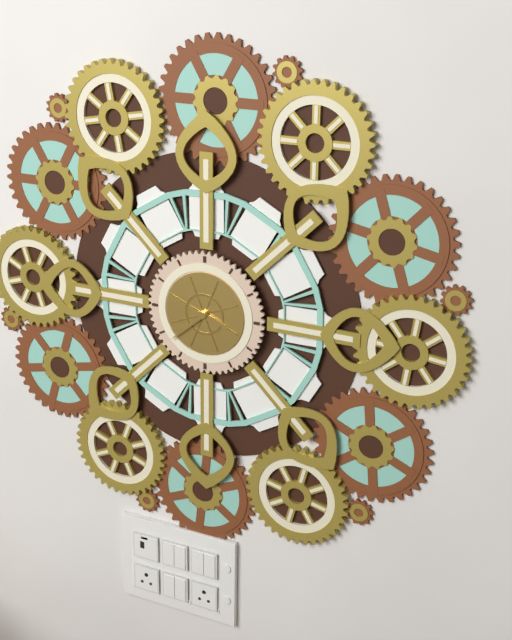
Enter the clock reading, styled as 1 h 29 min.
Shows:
3 h 38 min
